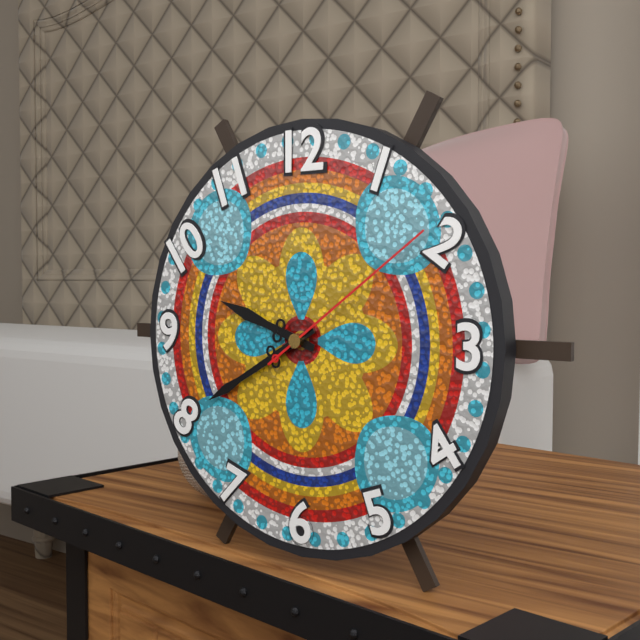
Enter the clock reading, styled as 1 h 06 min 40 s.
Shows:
9 h 40 min 09 s
